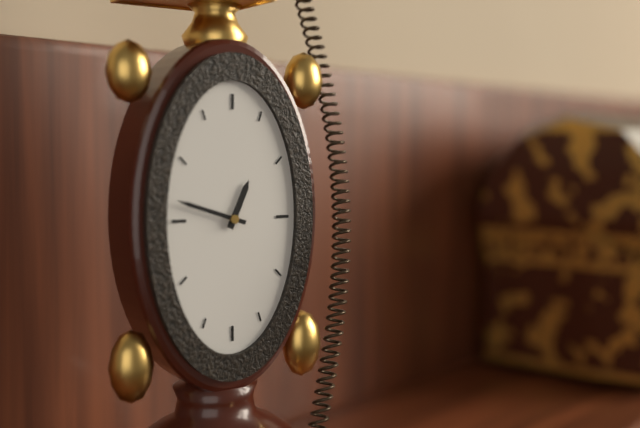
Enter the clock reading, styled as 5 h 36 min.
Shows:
12 h 48 min
